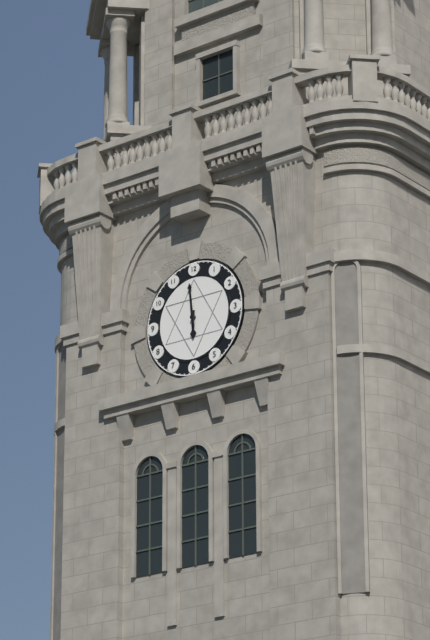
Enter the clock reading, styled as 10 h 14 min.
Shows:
5 h 59 min
